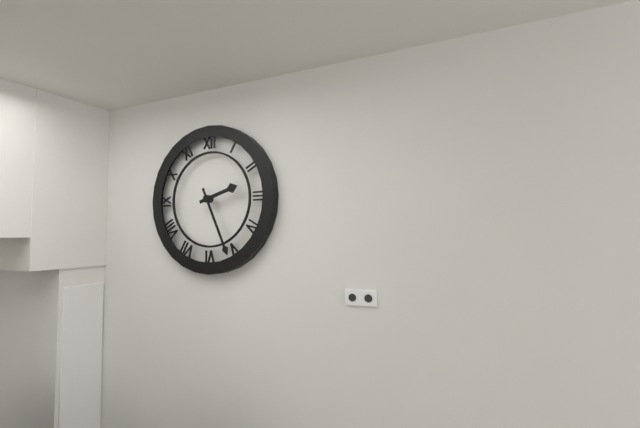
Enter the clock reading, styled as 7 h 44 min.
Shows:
2 h 26 min
